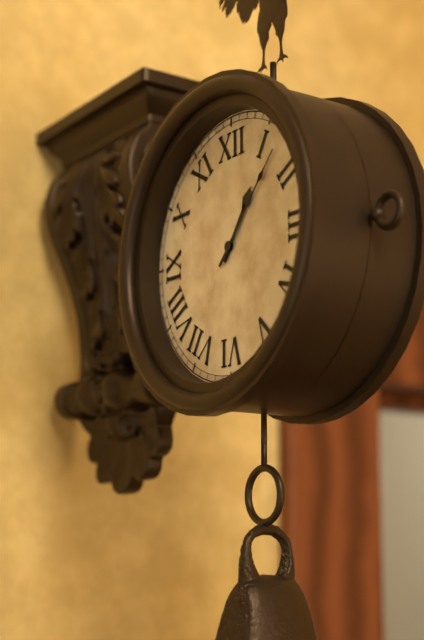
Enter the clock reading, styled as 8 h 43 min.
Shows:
1 h 07 min
